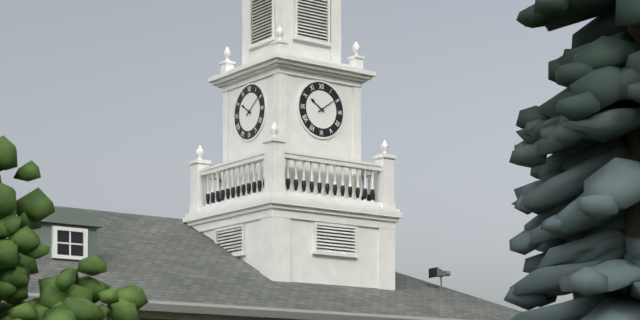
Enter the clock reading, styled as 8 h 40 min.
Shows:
10 h 09 min
